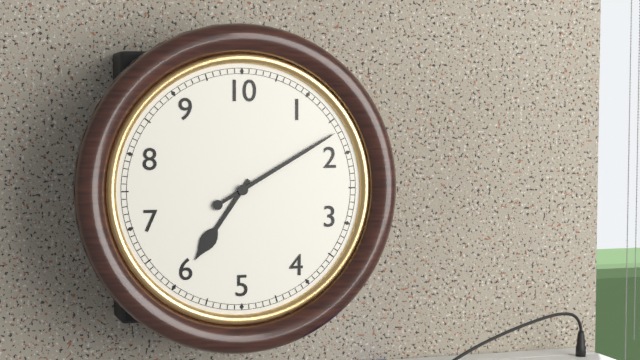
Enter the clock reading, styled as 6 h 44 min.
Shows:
7 h 10 min
